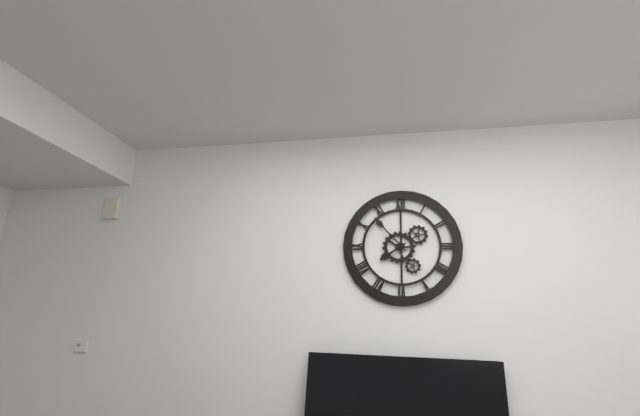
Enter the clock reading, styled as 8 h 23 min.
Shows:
7 h 53 min
